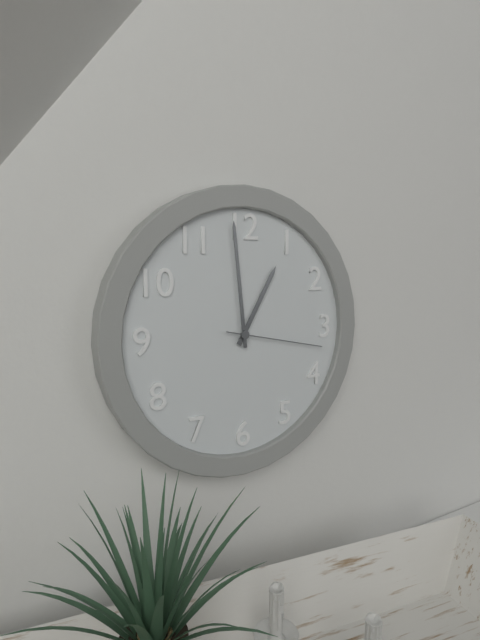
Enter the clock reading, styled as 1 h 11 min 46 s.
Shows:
12 h 59 min 17 s
